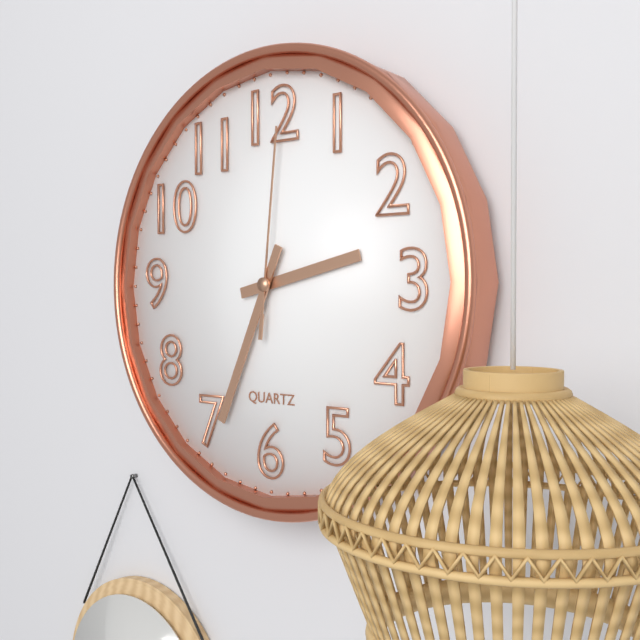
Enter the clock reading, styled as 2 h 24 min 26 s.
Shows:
2 h 34 min 01 s
